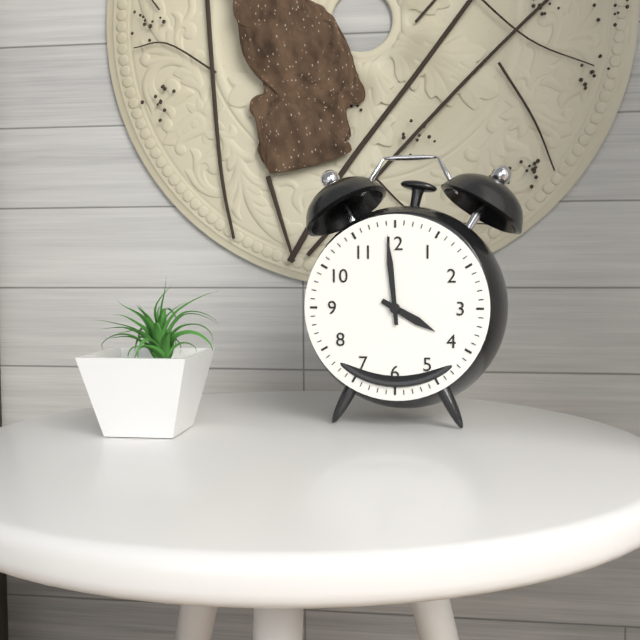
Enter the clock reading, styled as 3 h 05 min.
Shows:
3 h 59 min
